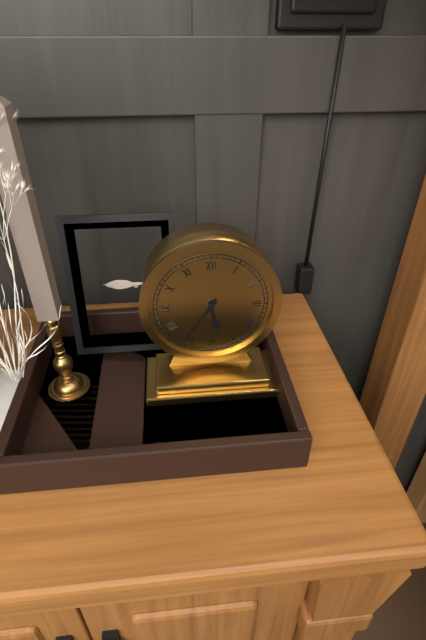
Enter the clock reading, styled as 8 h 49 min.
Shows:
5 h 36 min
